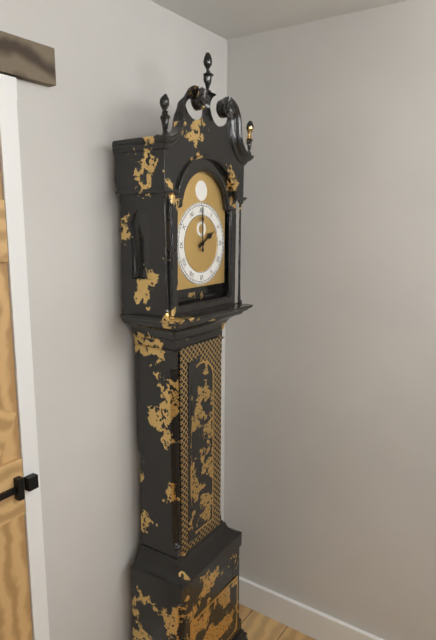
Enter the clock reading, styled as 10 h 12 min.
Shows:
2 h 00 min
